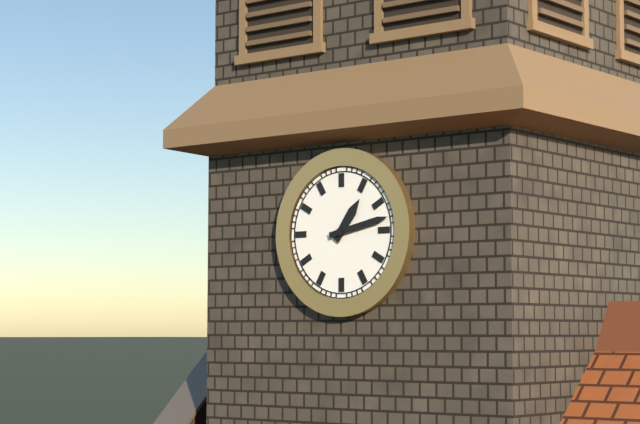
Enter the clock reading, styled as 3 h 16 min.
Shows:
1 h 13 min
